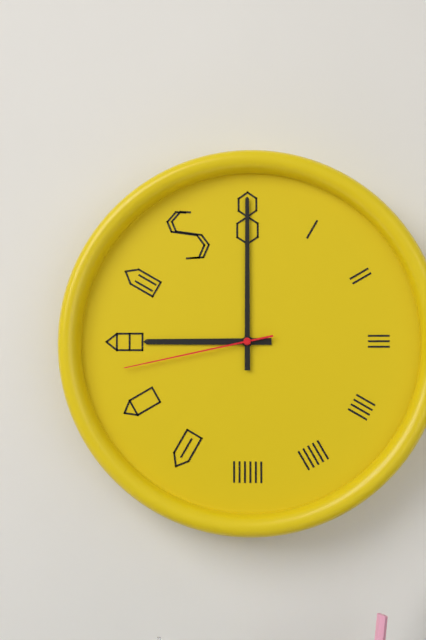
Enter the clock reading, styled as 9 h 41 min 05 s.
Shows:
9 h 00 min 43 s
